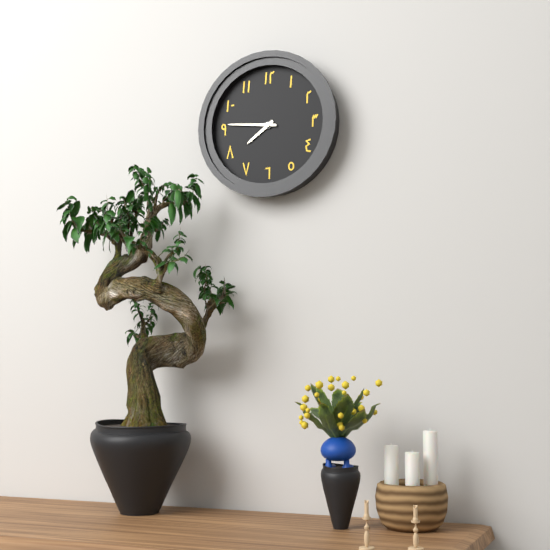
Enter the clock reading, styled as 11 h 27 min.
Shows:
7 h 46 min
